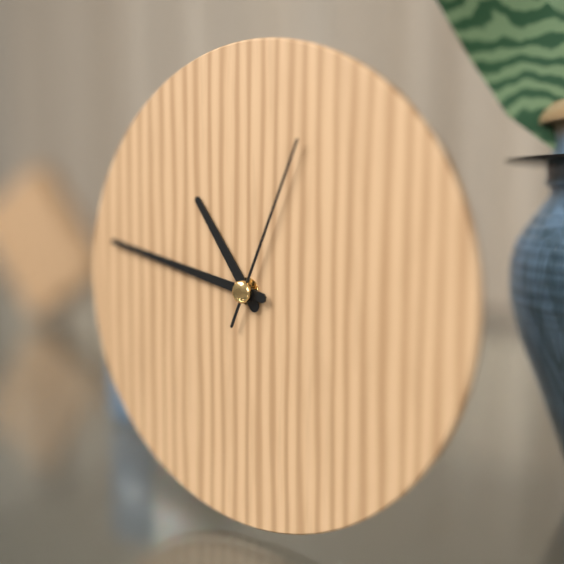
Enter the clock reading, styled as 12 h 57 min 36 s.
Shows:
10 h 47 min 04 s
